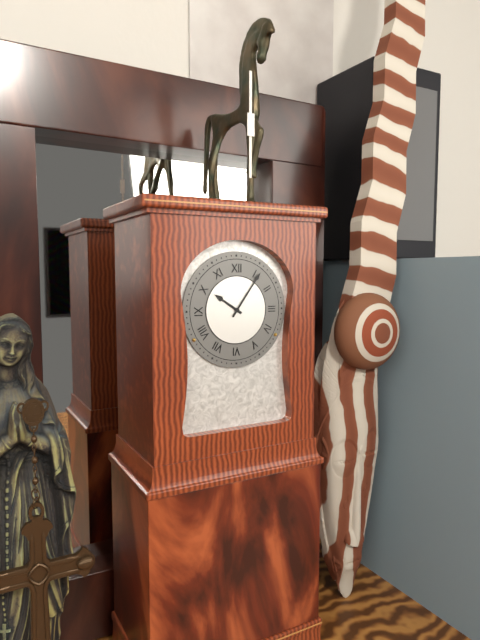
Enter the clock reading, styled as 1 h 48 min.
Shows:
10 h 06 min
